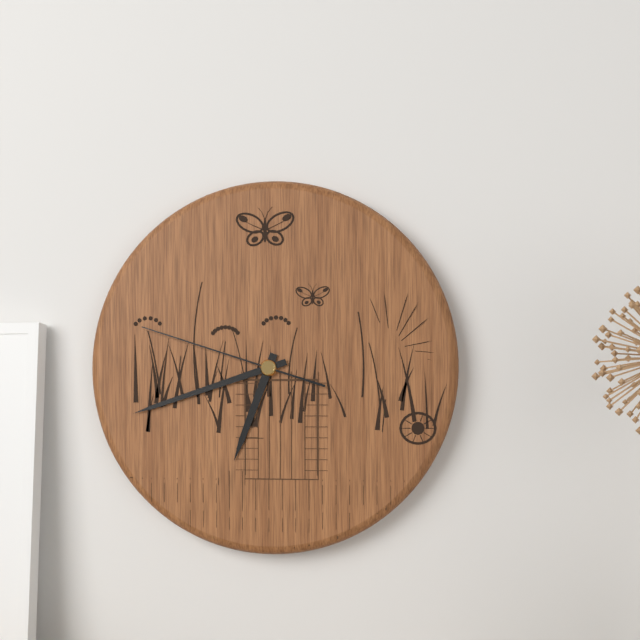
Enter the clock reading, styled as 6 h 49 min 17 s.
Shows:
6 h 42 min 48 s
